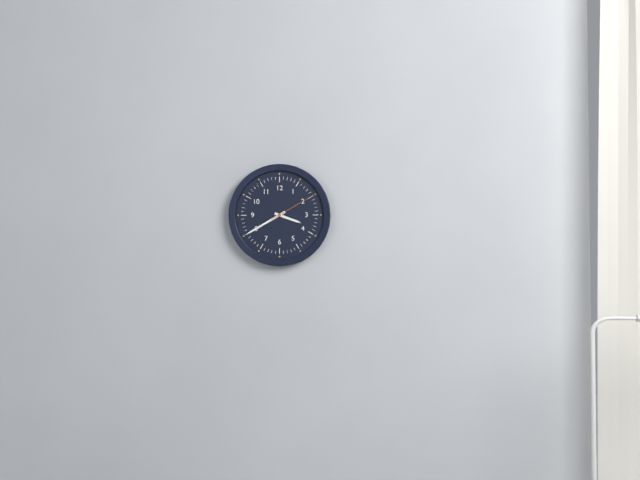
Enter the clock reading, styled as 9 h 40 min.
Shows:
3 h 40 min
